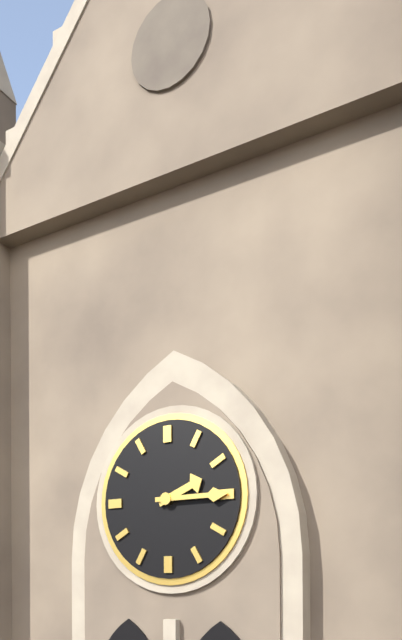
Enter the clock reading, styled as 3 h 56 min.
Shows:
2 h 15 min
